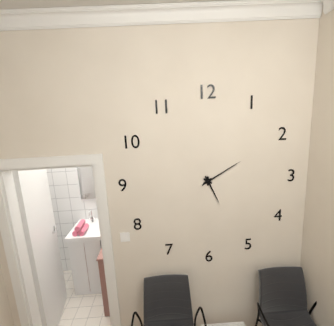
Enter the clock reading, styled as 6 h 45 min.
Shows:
5 h 10 min
